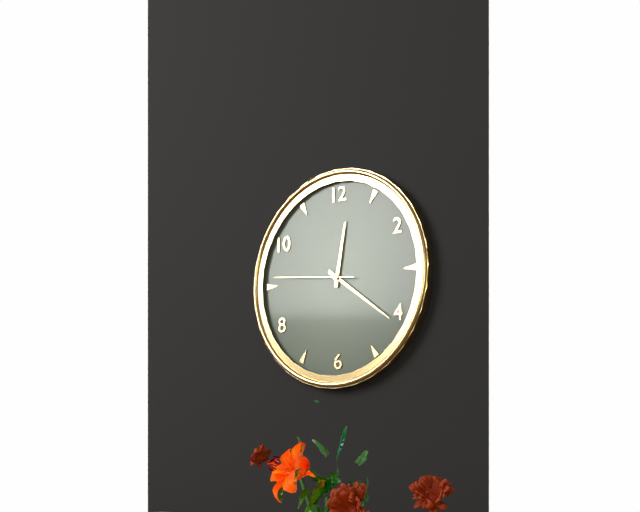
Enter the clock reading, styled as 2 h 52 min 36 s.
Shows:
12 h 21 min 46 s
